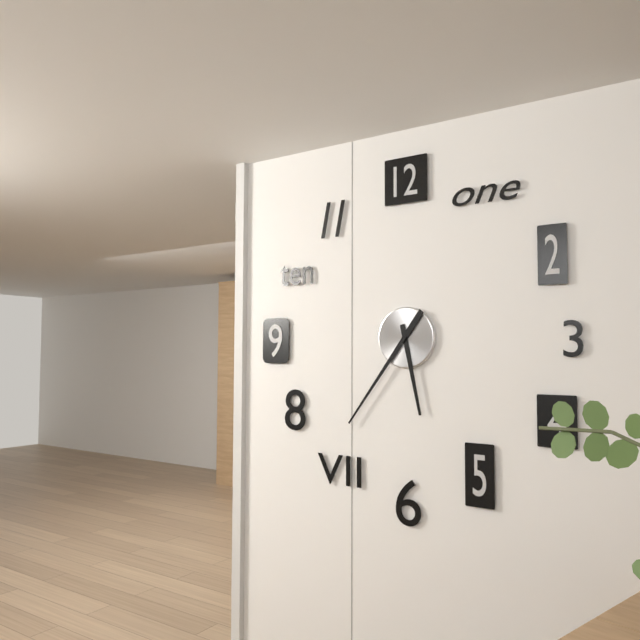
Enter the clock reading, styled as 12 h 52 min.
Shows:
5 h 36 min
